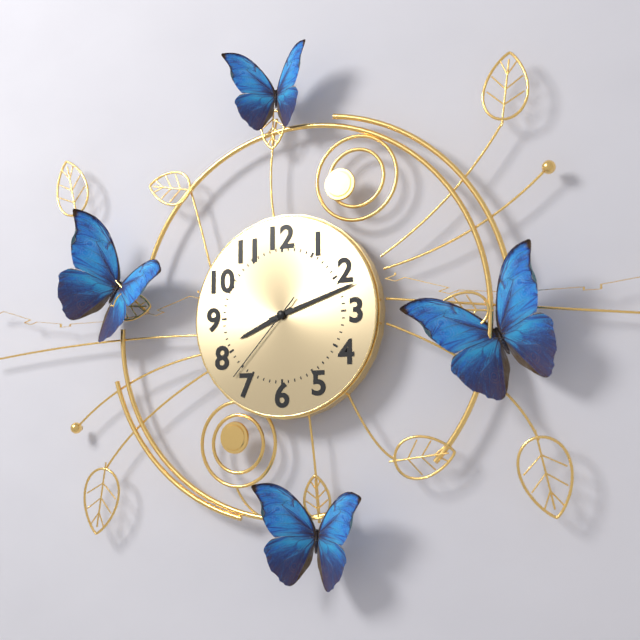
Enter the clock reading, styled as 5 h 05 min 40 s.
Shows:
8 h 12 min 37 s
